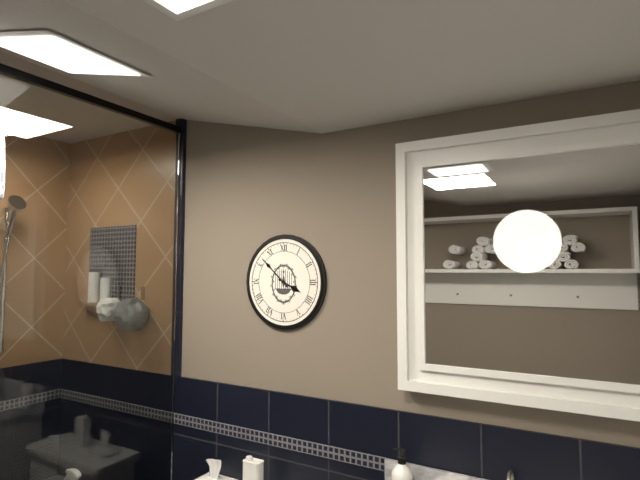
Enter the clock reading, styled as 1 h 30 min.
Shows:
3 h 52 min
